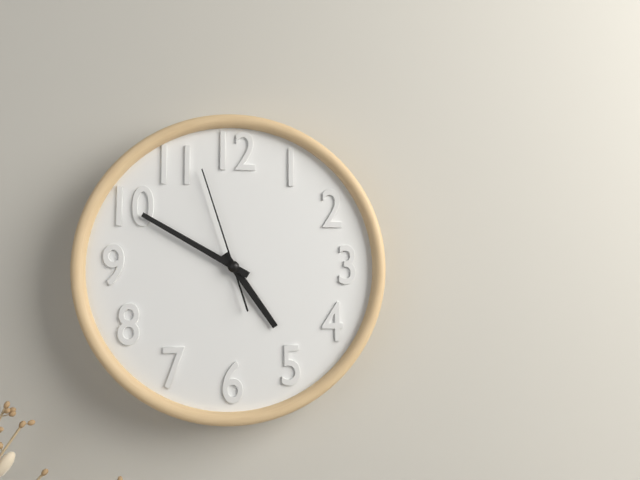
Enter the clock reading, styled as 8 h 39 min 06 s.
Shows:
4 h 50 min 57 s
